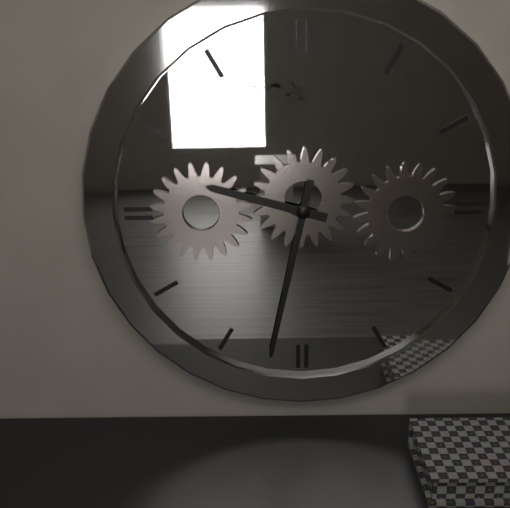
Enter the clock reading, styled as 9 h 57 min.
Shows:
9 h 32 min
